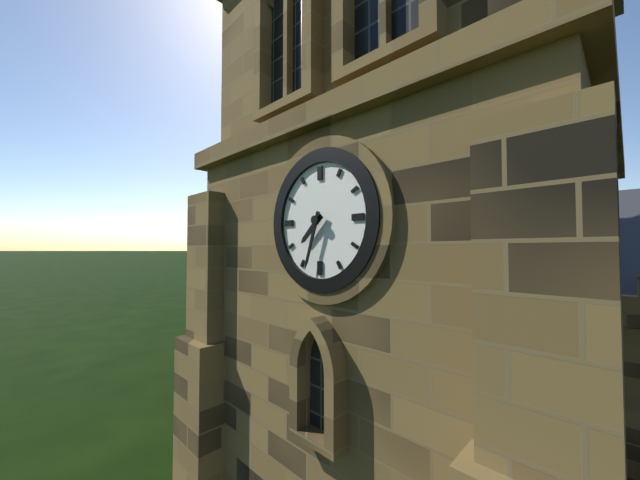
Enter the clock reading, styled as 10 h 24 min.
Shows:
7 h 33 min
